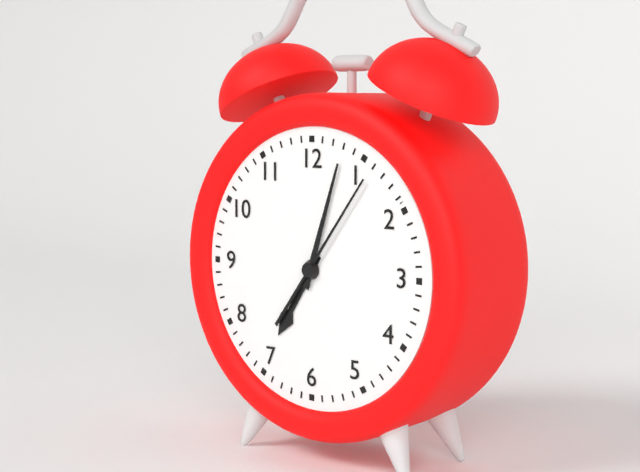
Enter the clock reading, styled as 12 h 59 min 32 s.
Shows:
7 h 03 min 06 s
